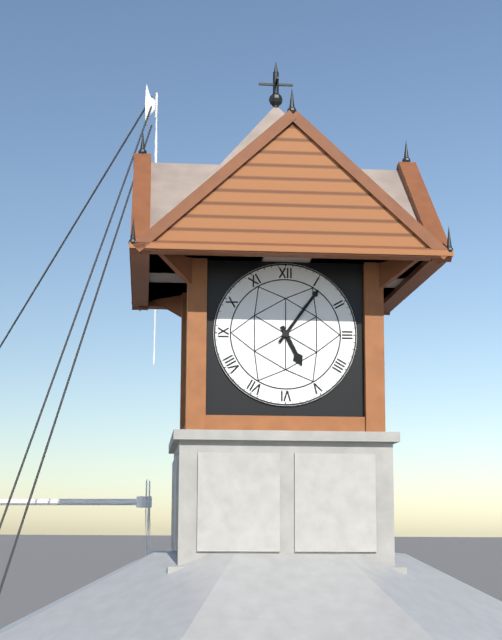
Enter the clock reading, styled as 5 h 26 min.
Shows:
5 h 06 min
